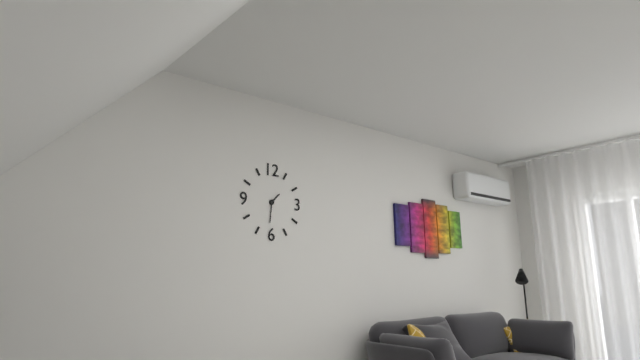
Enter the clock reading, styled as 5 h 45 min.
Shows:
1 h 31 min
